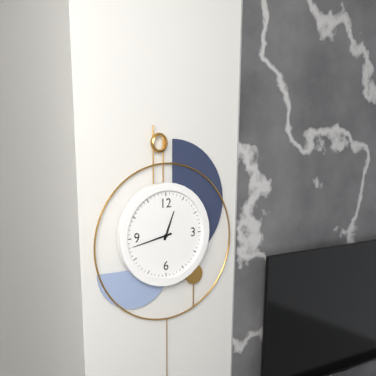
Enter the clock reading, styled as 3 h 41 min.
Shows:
12 h 43 min
